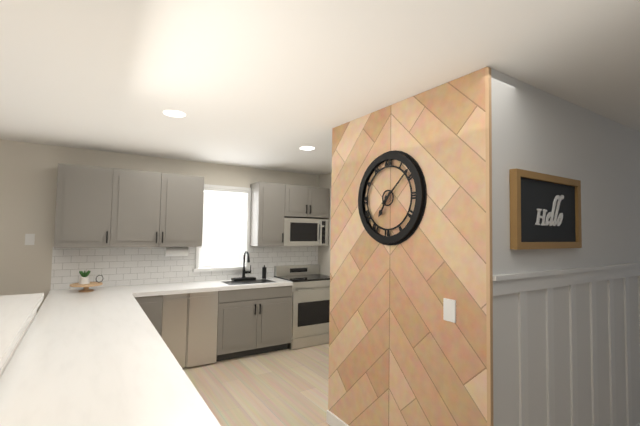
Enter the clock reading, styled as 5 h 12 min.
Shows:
7 h 08 min
